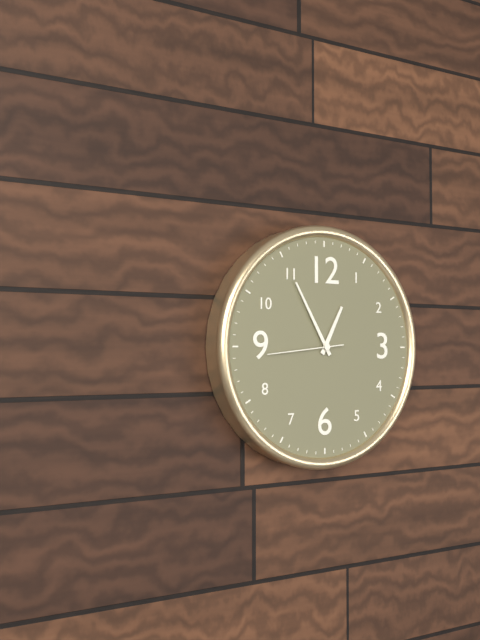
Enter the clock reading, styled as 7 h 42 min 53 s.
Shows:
12 h 55 min 44 s
